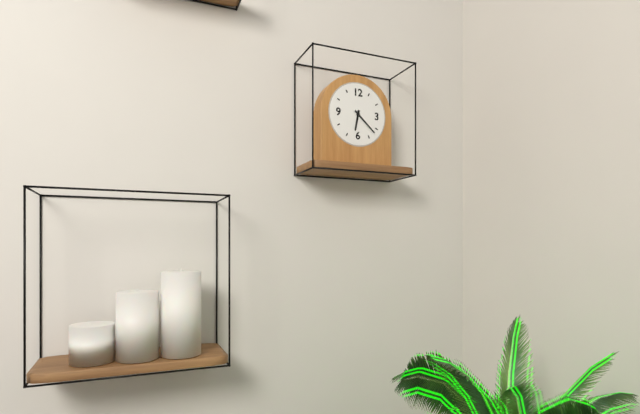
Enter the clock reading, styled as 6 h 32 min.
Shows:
6 h 22 min
